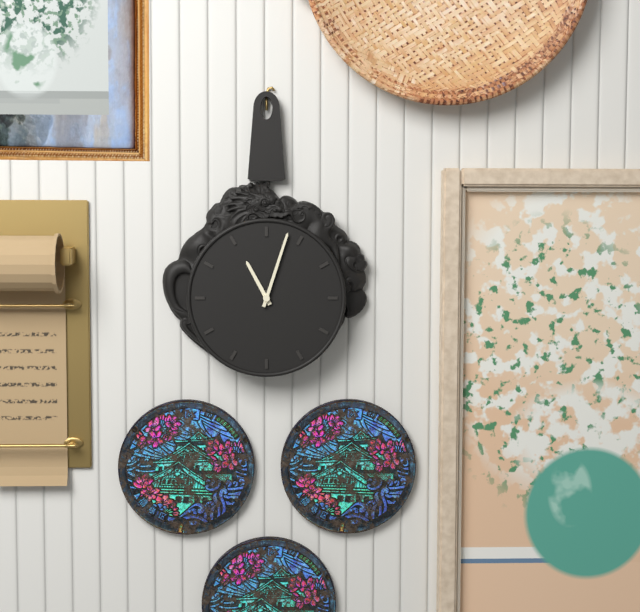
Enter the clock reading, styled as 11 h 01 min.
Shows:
11 h 03 min
